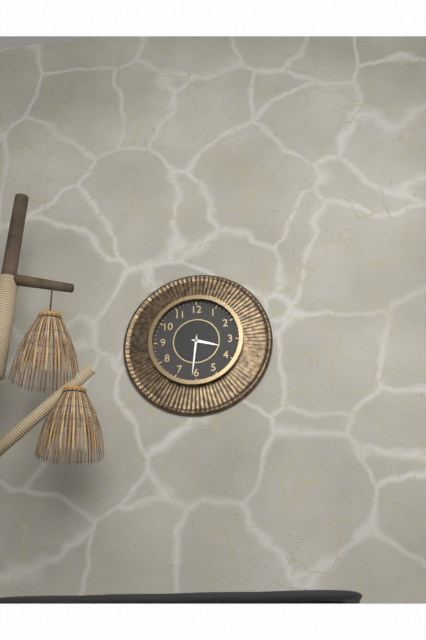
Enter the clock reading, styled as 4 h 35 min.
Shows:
3 h 31 min
